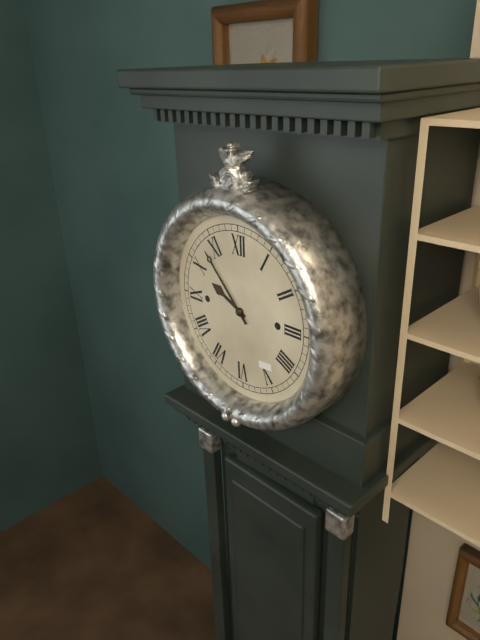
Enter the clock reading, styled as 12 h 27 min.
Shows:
9 h 53 min
